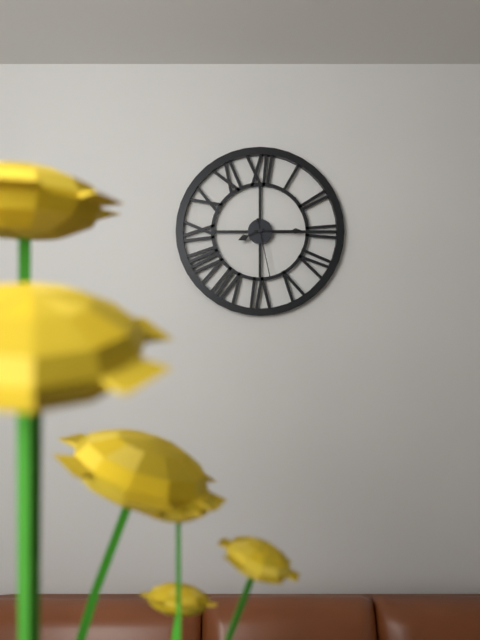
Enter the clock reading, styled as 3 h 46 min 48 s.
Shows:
8 h 15 min 28 s
